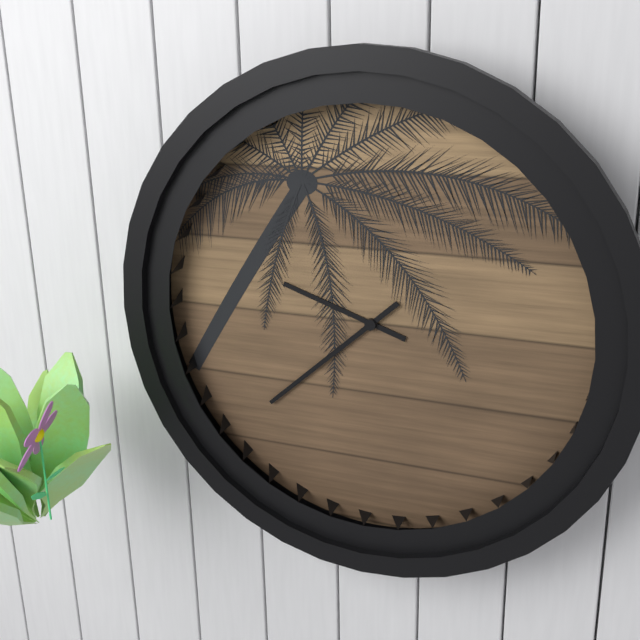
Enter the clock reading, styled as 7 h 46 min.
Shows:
9 h 38 min
